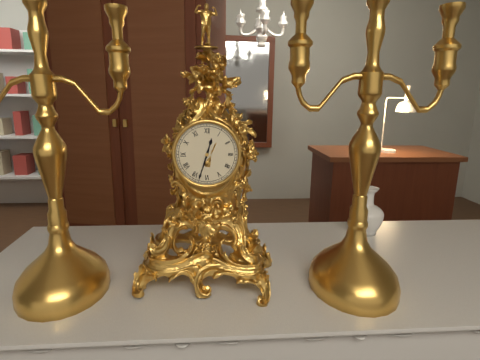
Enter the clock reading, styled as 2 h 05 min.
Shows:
12 h 33 min
